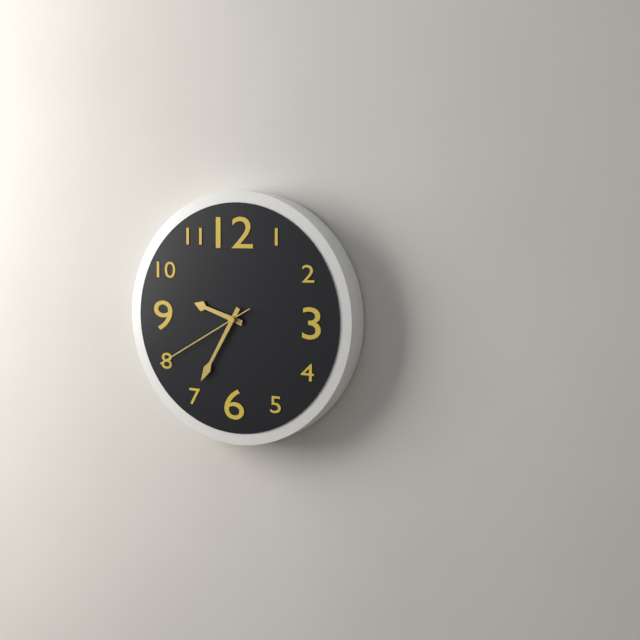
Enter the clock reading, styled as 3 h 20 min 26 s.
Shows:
9 h 35 min 40 s
